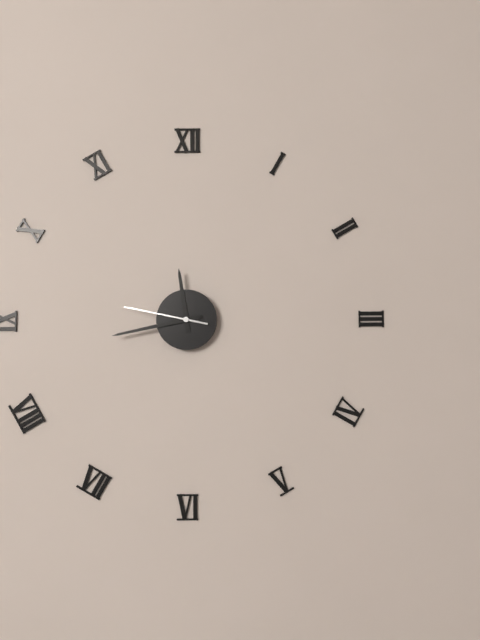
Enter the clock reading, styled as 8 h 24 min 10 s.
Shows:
11 h 43 min 47 s
